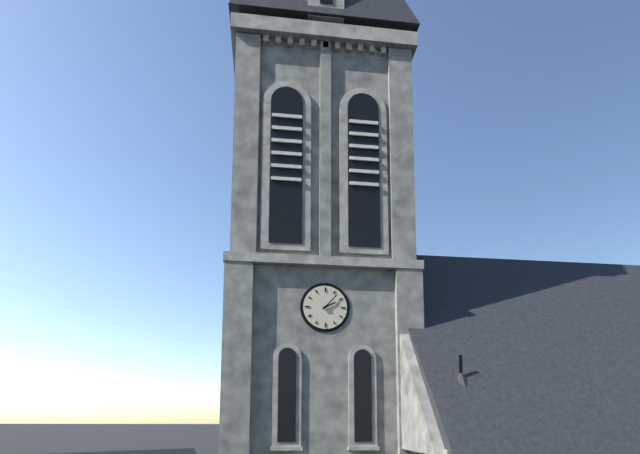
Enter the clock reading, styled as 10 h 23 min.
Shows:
2 h 07 min
